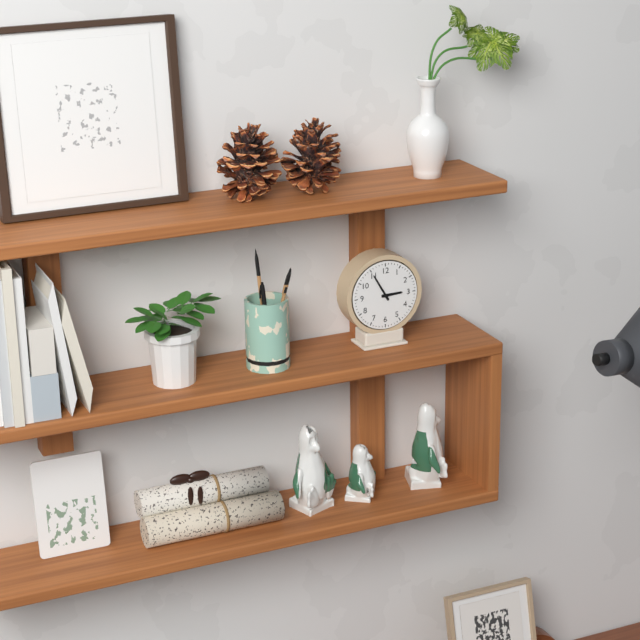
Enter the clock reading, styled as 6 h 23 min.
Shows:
2 h 55 min
